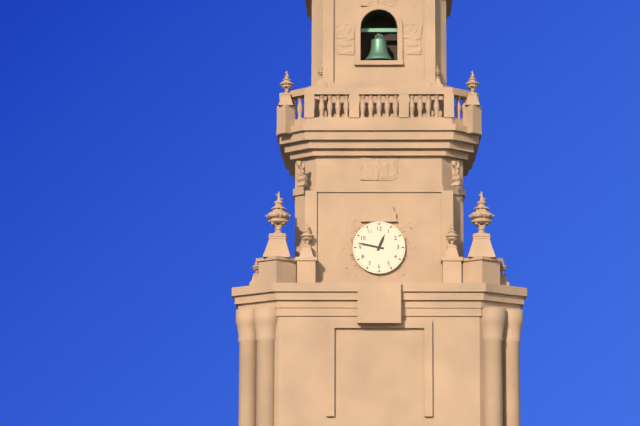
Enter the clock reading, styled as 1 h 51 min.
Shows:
12 h 47 min
